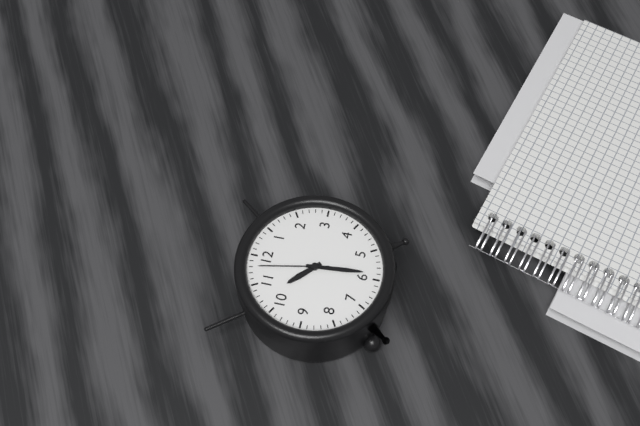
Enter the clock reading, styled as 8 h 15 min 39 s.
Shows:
10 h 29 min 58 s
